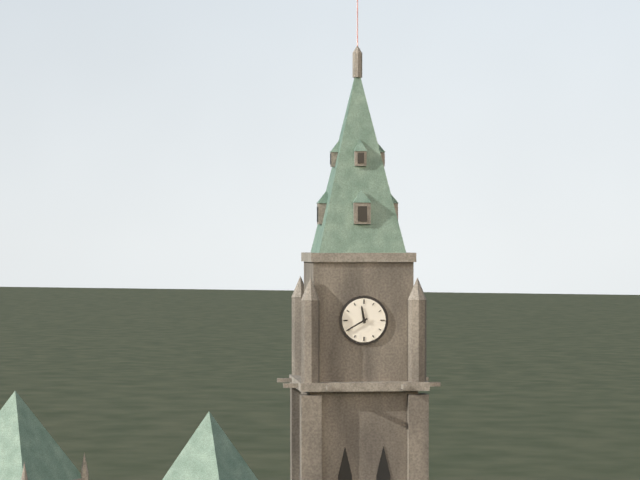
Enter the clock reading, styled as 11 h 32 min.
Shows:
11 h 40 min
